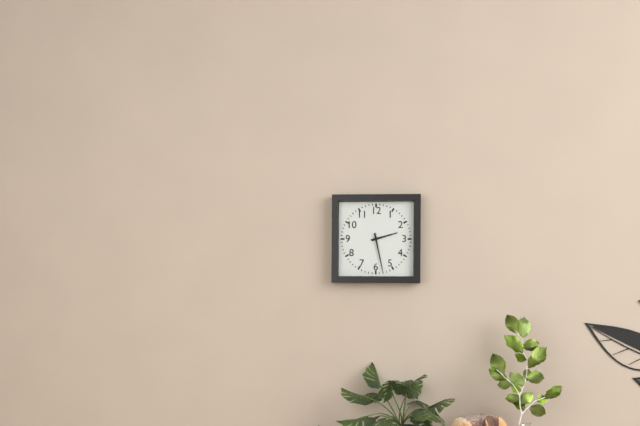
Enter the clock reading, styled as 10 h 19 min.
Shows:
2 h 28 min
